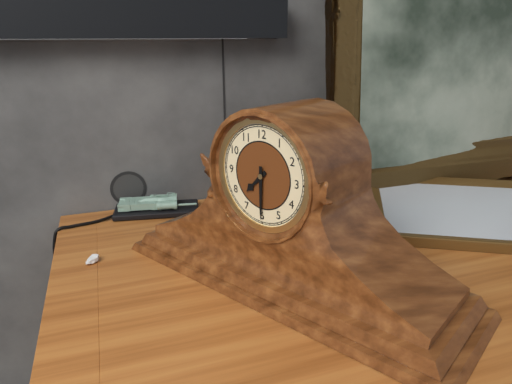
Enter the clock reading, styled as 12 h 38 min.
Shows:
7 h 30 min
